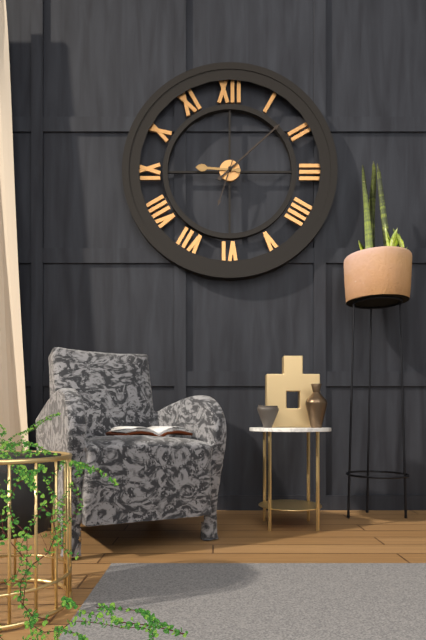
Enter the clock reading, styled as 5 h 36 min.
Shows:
9 h 08 min
